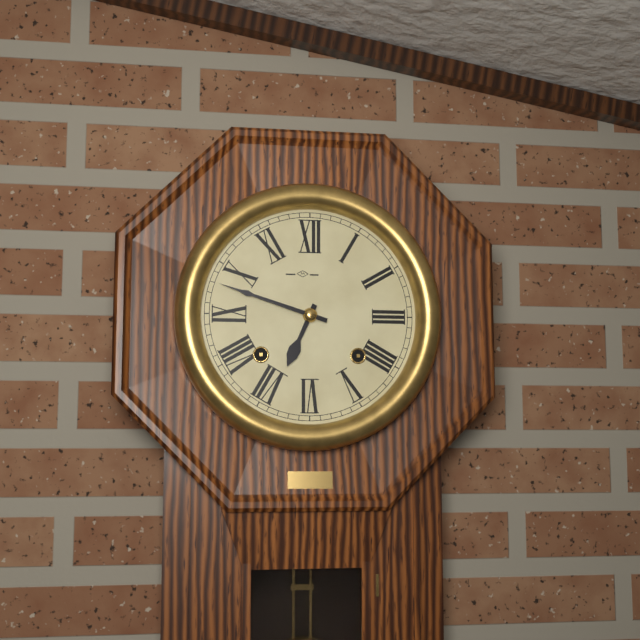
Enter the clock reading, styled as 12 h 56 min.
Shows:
6 h 48 min
